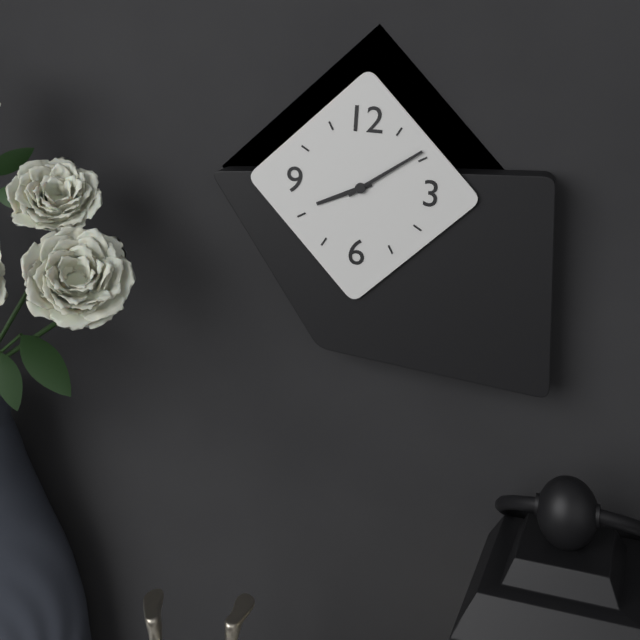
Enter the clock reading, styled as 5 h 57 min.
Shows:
8 h 09 min
